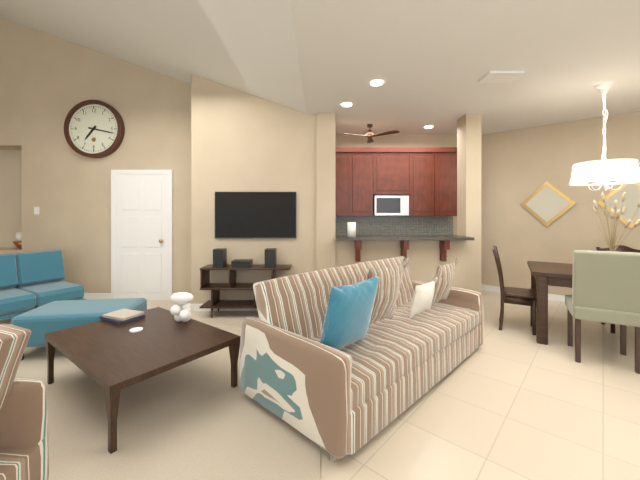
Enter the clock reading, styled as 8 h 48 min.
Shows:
7 h 17 min
